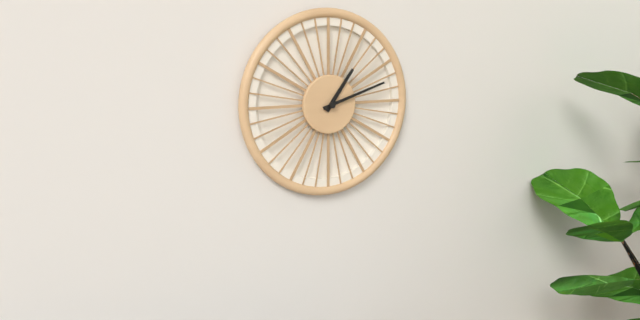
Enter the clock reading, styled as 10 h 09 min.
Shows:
1 h 12 min
